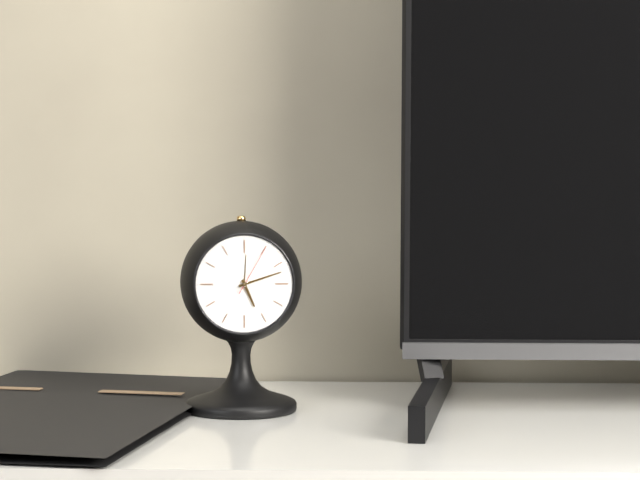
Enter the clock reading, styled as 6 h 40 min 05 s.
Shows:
5 h 12 min 05 s
